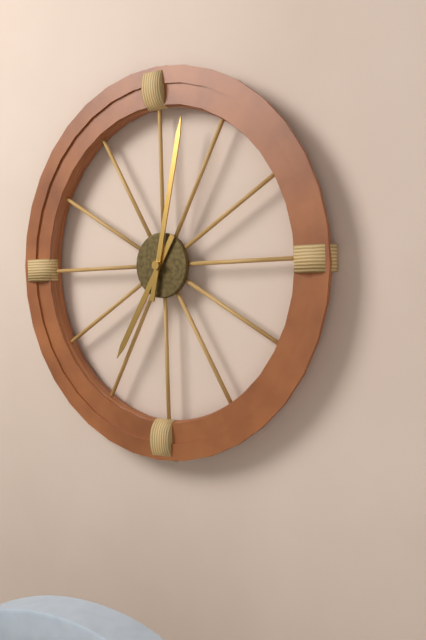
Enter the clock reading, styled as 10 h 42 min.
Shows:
7 h 02 min
